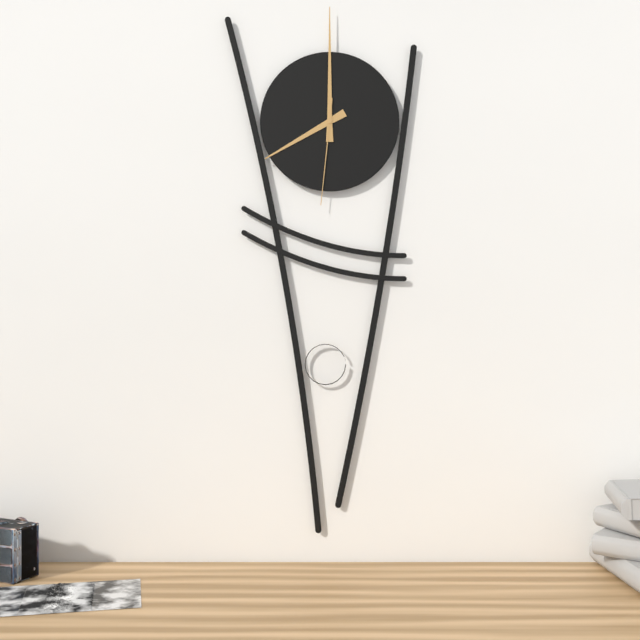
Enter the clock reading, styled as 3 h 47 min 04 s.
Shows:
8 h 00 min 31 s
